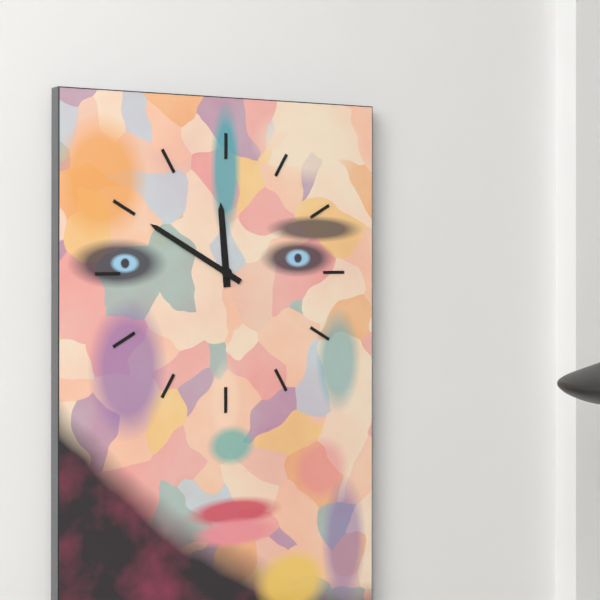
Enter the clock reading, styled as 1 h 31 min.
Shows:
11 h 50 min
